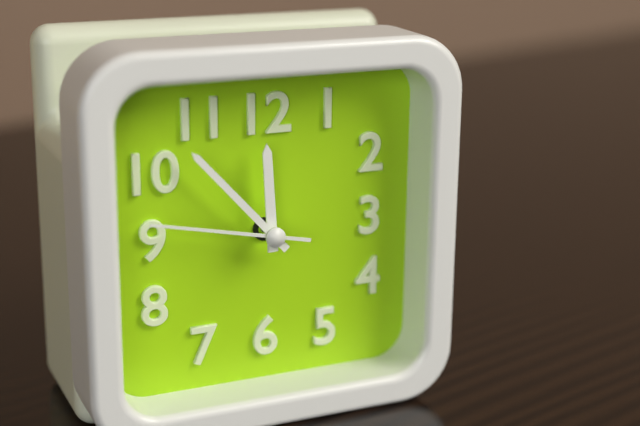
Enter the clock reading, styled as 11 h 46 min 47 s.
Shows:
11 h 53 min 47 s
